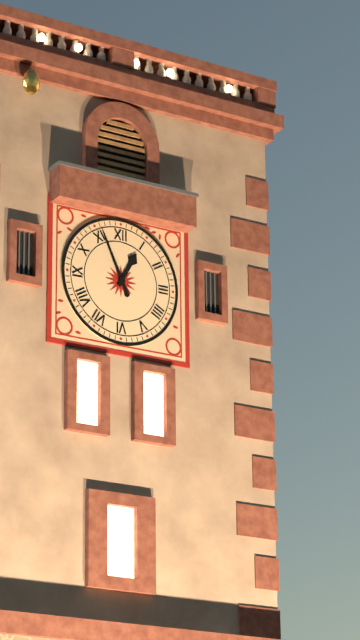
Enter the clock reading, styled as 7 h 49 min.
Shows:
12 h 56 min
